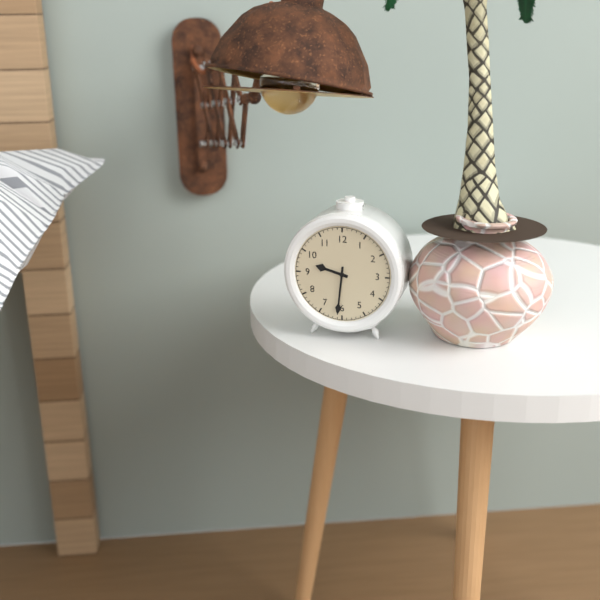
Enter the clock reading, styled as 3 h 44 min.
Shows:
9 h 31 min
